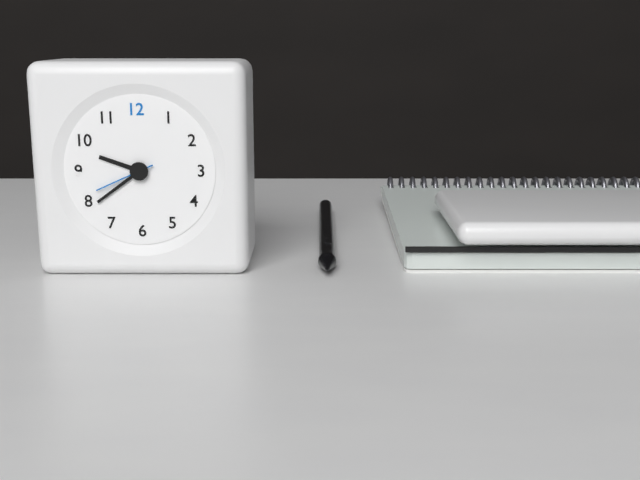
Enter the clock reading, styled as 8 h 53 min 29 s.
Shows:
9 h 39 min 41 s
